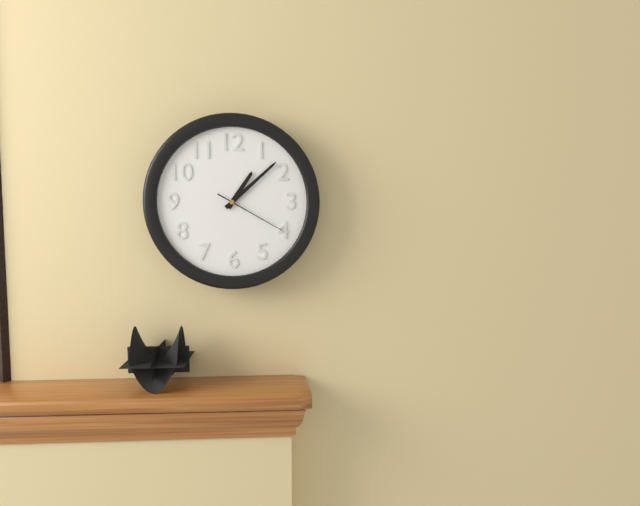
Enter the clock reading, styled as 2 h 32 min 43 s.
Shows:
1 h 08 min 20 s
